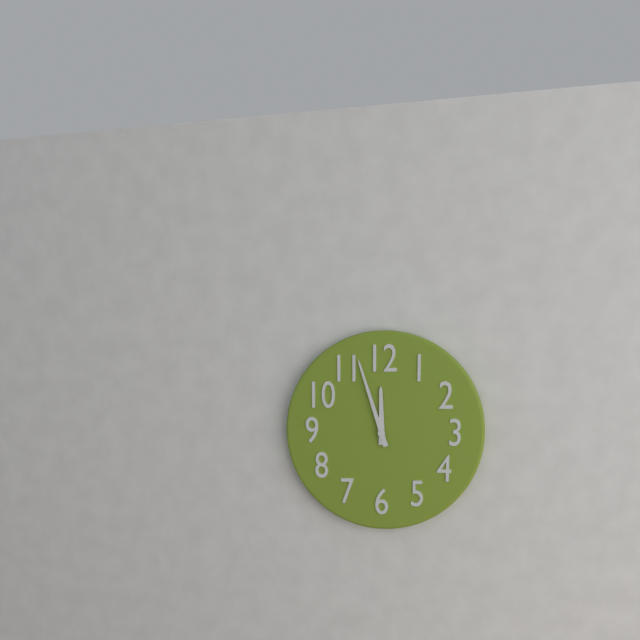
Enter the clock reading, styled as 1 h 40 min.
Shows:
11 h 57 min
